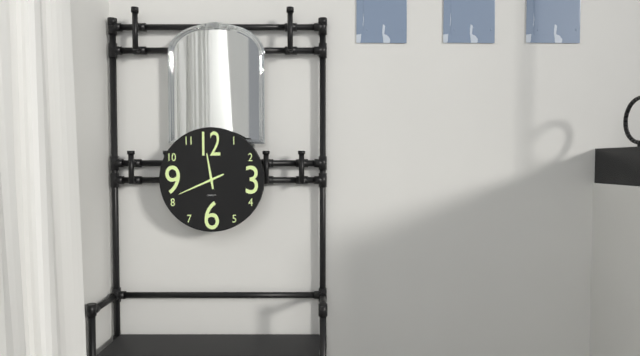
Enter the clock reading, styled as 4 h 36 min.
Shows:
11 h 41 min
